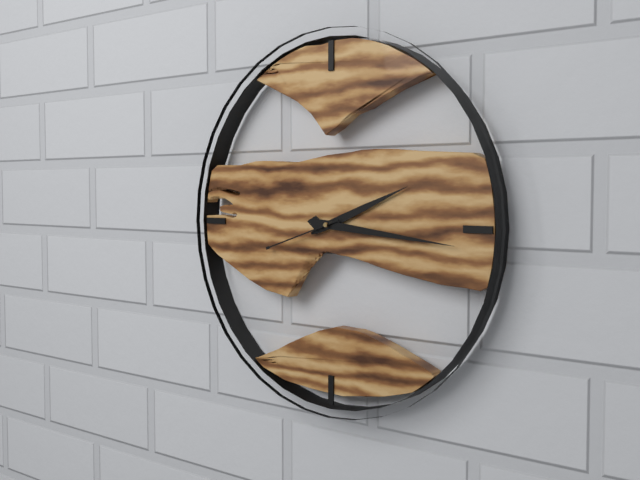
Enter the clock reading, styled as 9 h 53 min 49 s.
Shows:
2 h 16 min 42 s
